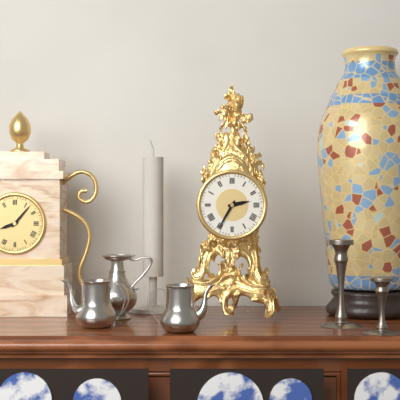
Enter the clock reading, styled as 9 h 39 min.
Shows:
2 h 35 min
